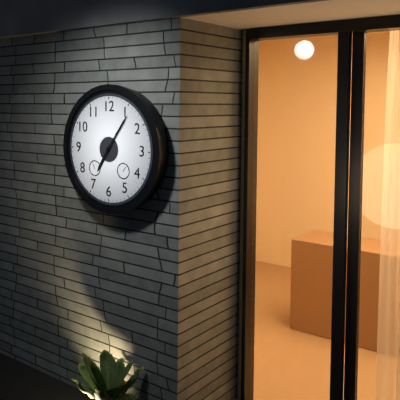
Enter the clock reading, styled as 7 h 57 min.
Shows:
7 h 06 min
